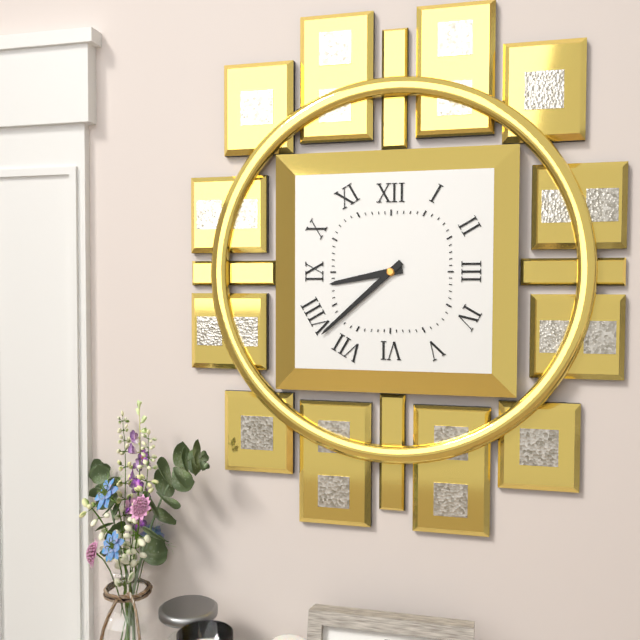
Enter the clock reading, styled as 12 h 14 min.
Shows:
8 h 38 min
